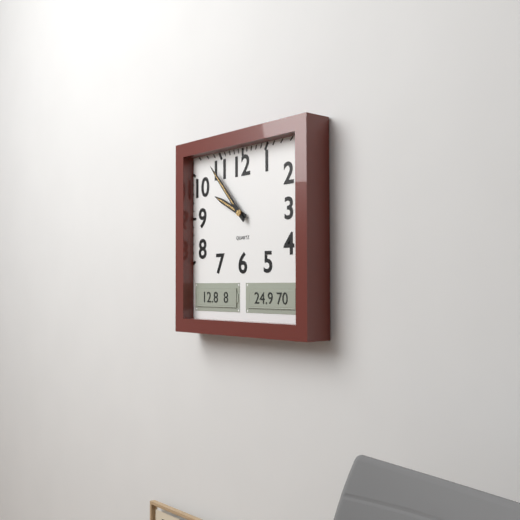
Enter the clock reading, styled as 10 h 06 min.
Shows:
9 h 53 min
